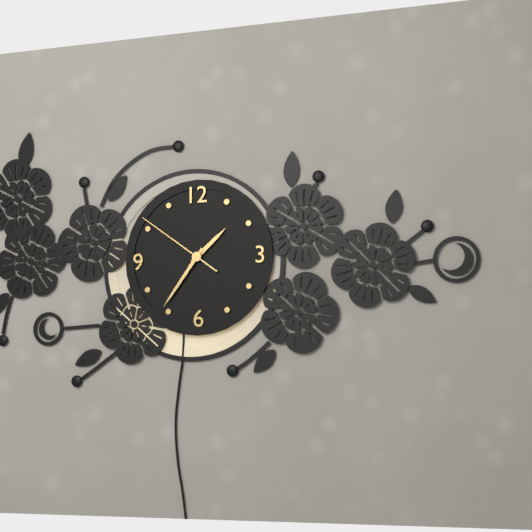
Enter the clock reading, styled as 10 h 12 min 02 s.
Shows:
1 h 36 min 51 s
